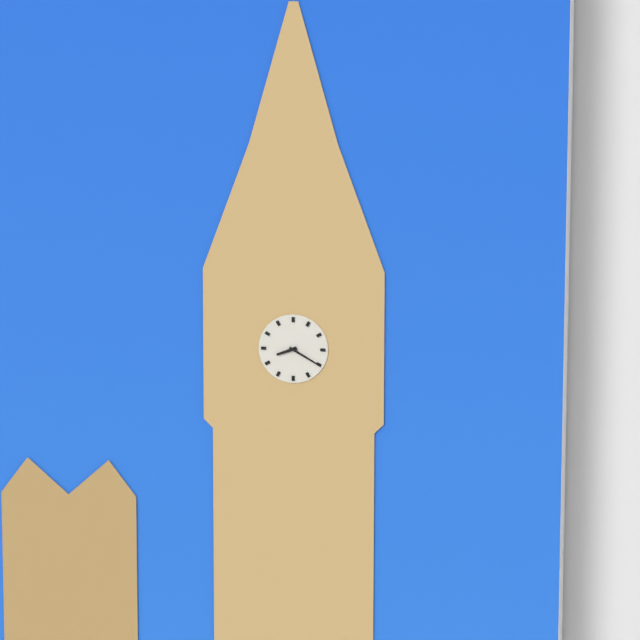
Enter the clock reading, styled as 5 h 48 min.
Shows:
8 h 20 min
